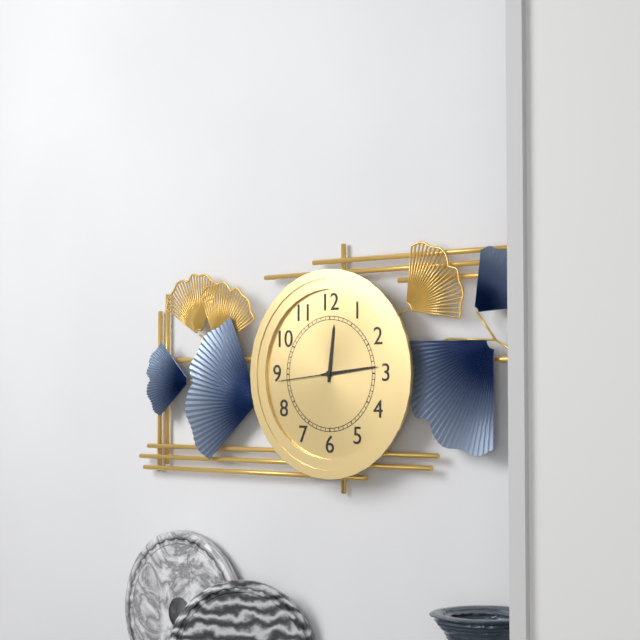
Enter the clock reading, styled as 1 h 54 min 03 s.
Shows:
12 h 14 min 44 s
